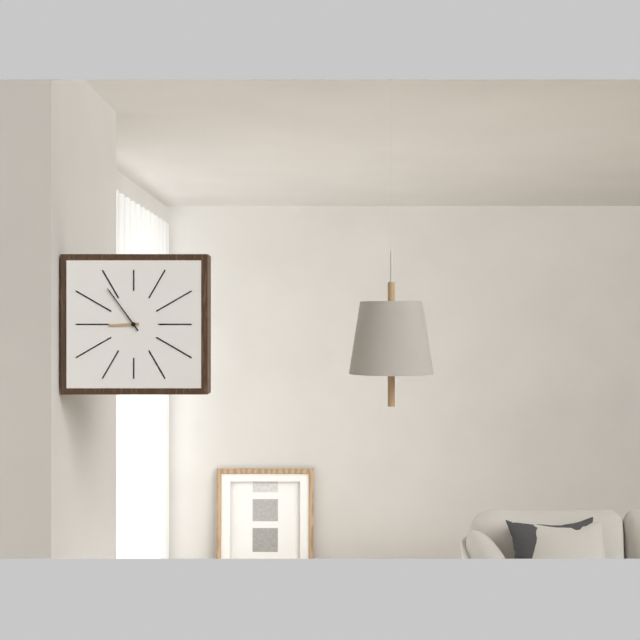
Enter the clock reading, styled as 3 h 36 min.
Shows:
8 h 54 min
